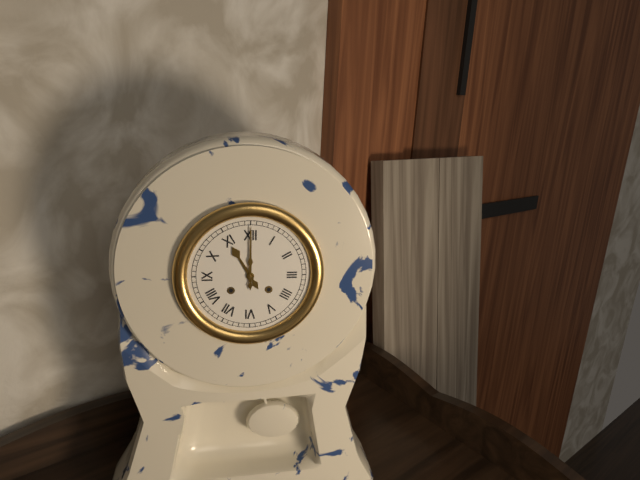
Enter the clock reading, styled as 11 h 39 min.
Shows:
11 h 00 min
